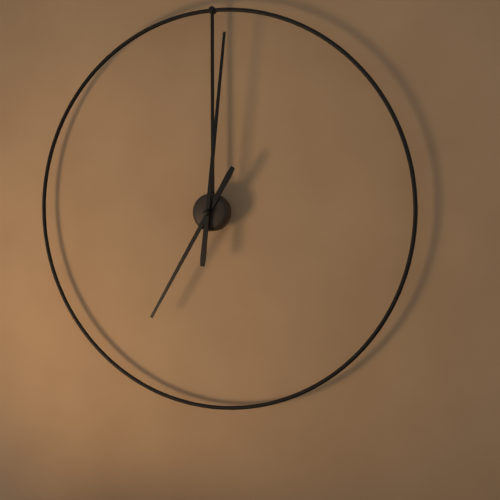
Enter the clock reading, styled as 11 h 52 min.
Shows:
7 h 01 min
